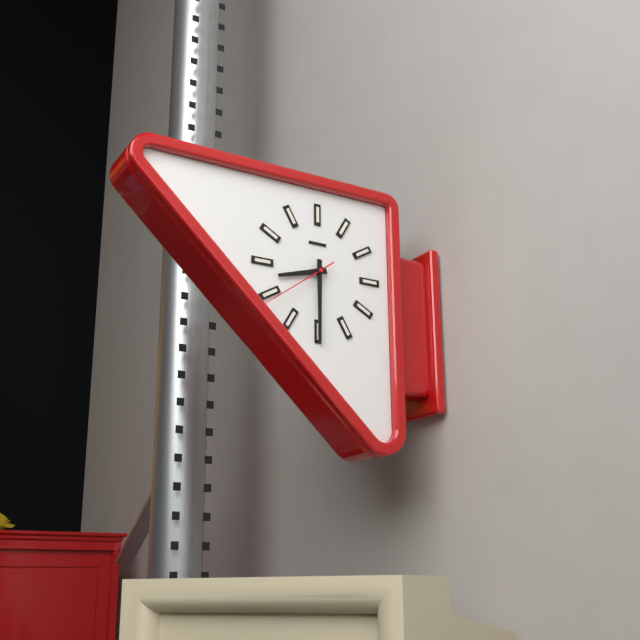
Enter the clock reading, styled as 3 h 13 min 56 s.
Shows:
8 h 30 min 39 s
